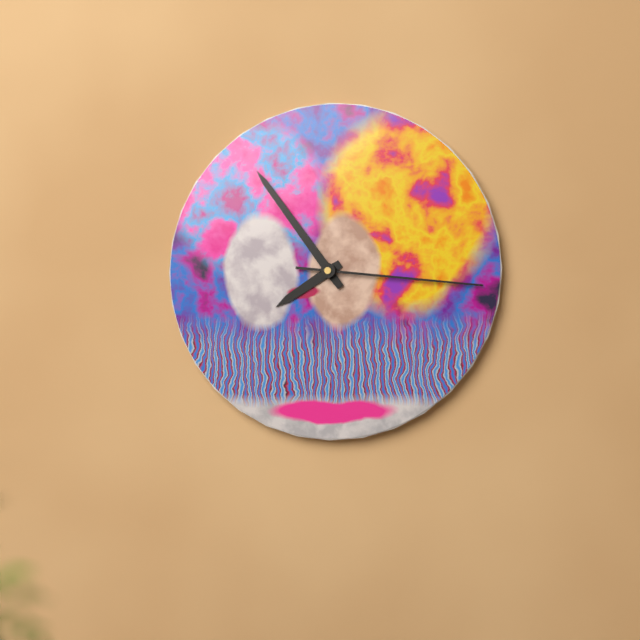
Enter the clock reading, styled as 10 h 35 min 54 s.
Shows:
7 h 54 min 16 s
